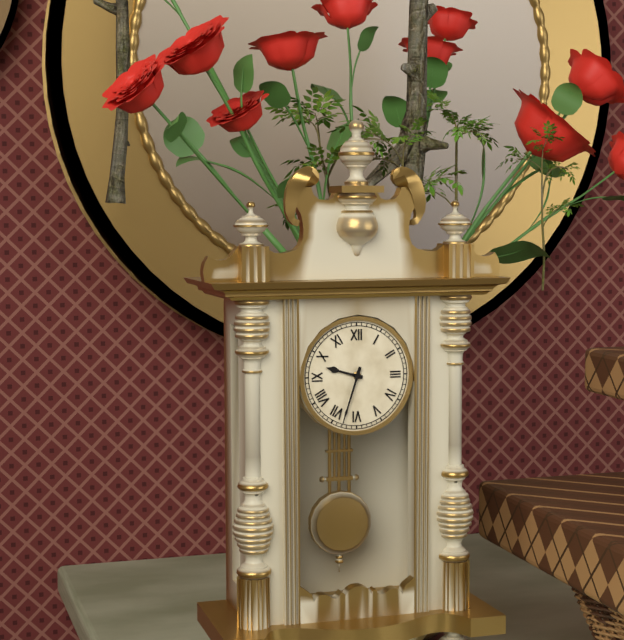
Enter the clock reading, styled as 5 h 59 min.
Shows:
9 h 33 min
